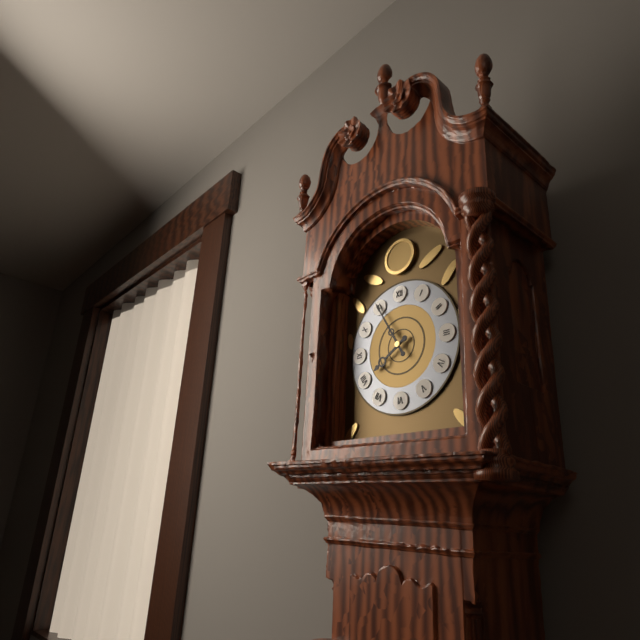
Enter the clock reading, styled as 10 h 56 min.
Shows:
7 h 55 min
